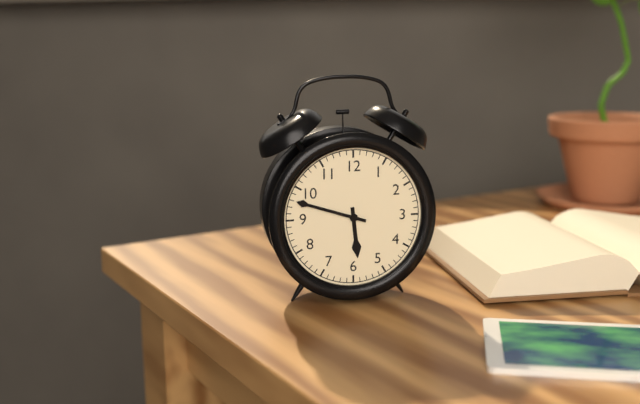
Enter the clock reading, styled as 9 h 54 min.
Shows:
5 h 48 min
